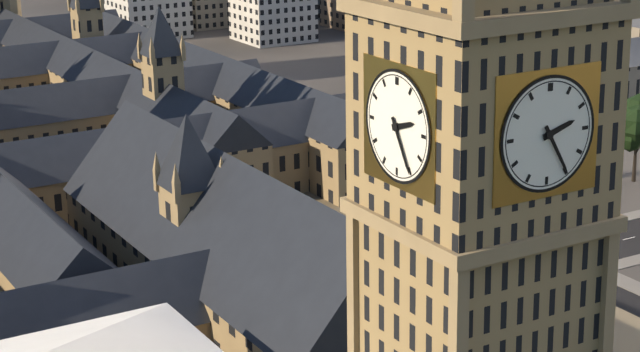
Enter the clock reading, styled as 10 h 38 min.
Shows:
2 h 25 min
